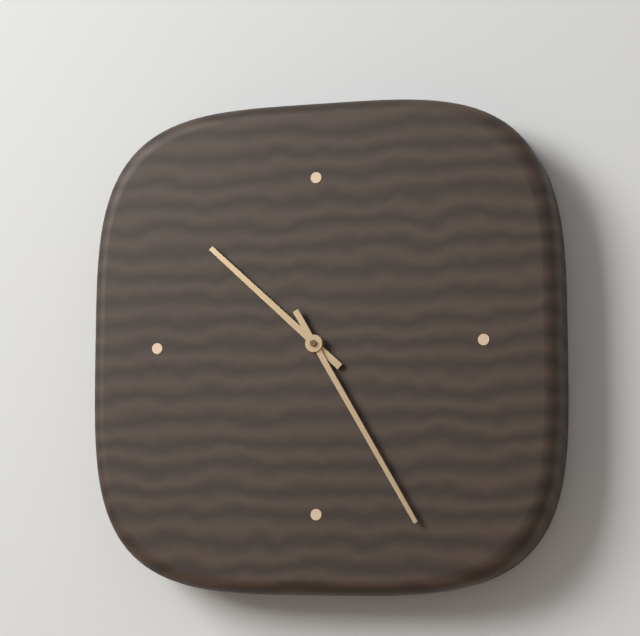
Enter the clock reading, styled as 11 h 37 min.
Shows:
10 h 25 min
